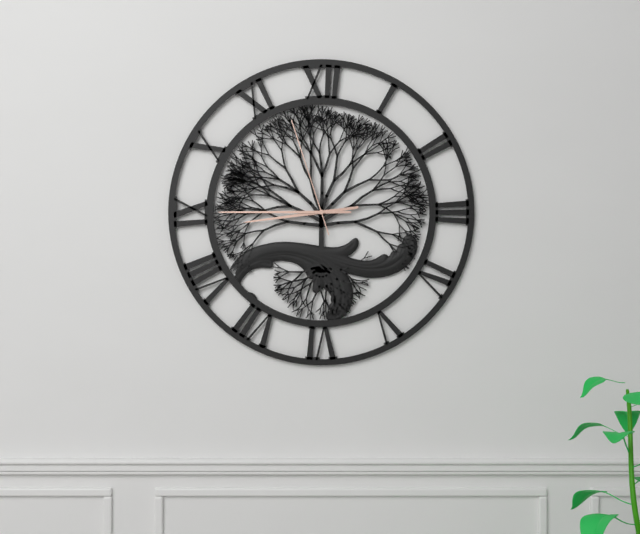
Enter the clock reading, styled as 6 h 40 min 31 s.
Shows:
8 h 45 min 57 s
